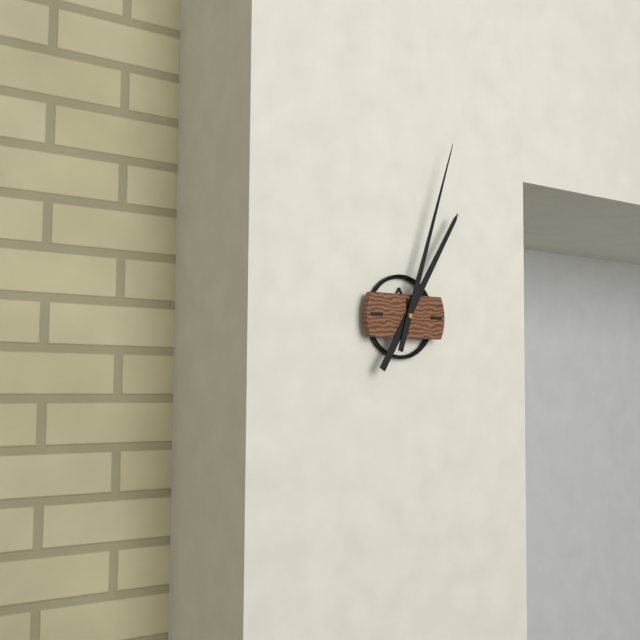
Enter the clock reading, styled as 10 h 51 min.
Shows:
1 h 03 min
